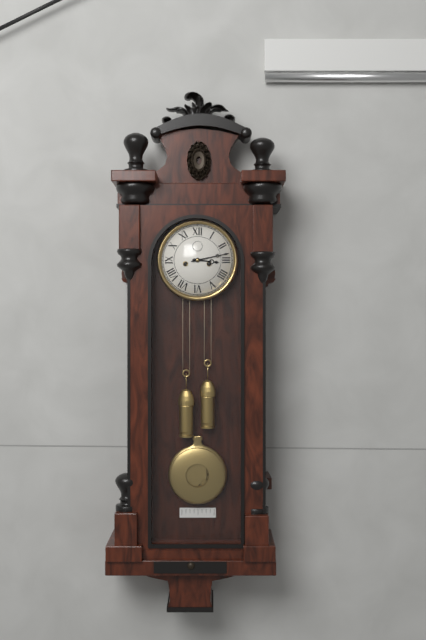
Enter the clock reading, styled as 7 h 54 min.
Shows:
3 h 13 min
